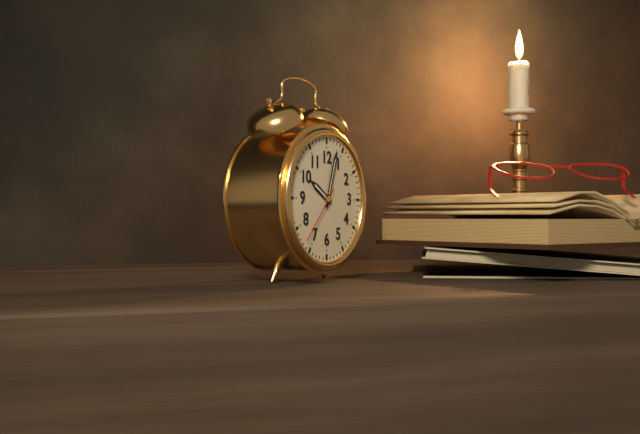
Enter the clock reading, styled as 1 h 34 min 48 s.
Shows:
10 h 03 min 37 s
